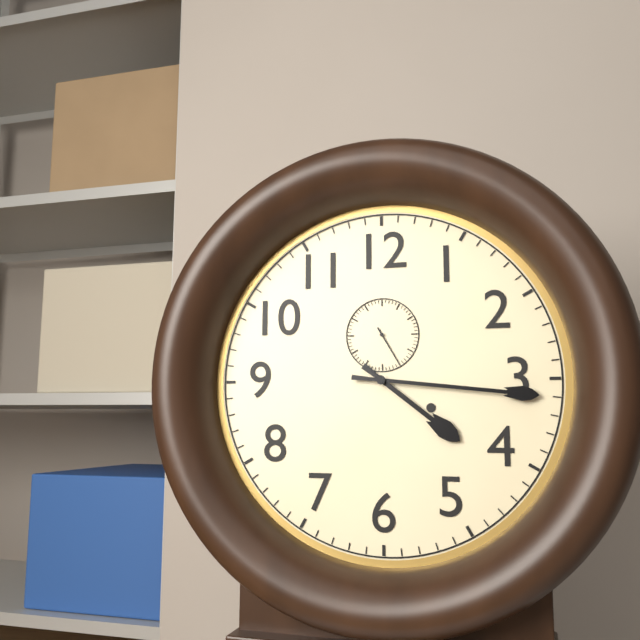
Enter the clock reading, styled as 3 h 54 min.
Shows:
4 h 16 min
